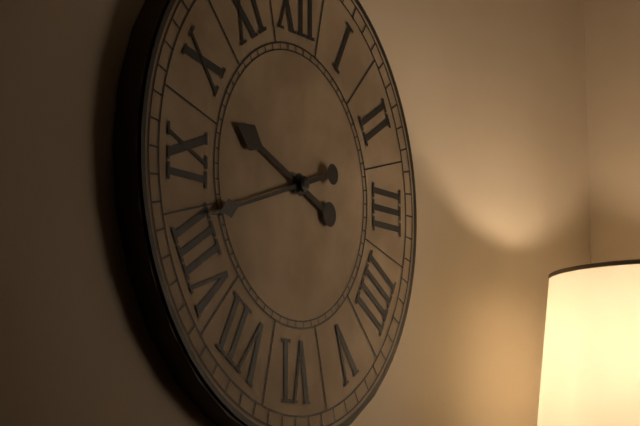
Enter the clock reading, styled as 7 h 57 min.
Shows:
9 h 42 min
